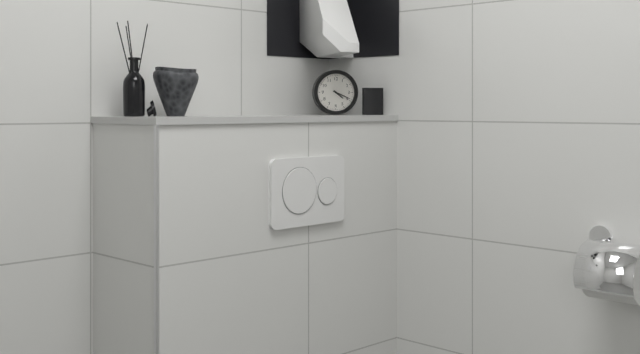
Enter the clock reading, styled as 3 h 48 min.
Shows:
4 h 19 min
